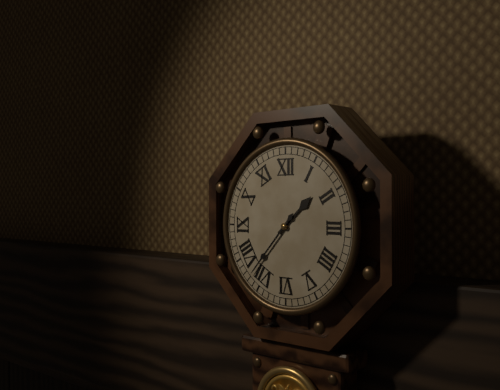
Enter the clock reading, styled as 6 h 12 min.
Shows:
1 h 37 min
